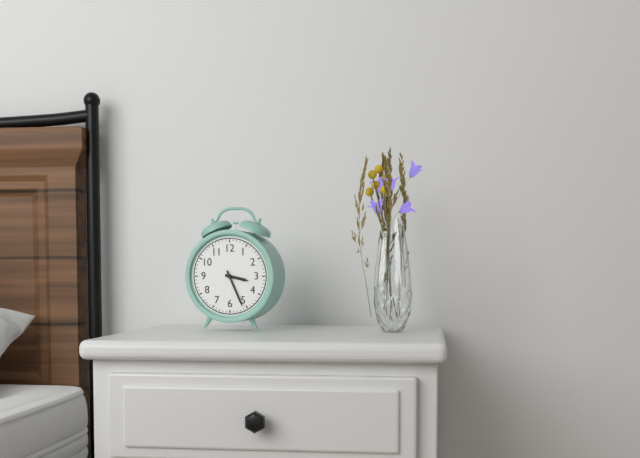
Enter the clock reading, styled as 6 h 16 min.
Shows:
3 h 26 min
